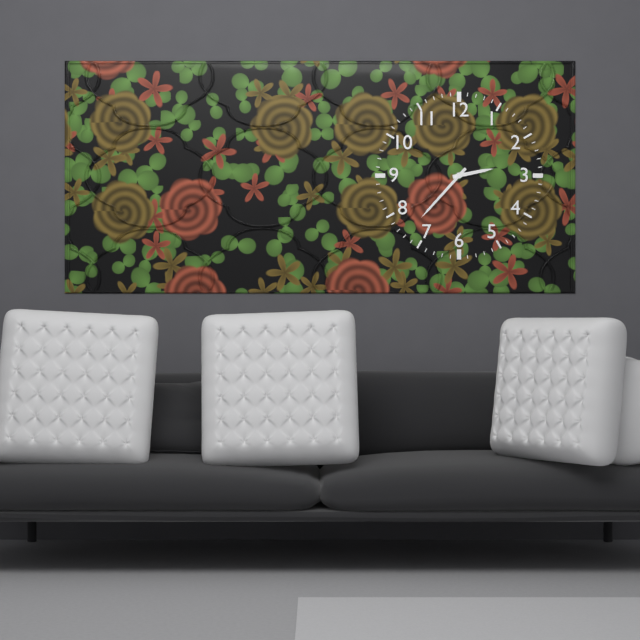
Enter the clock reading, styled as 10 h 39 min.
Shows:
2 h 37 min
